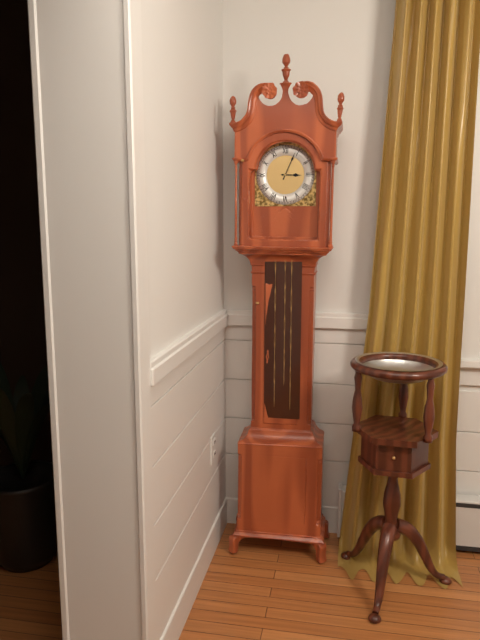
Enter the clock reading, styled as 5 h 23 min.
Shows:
3 h 04 min
